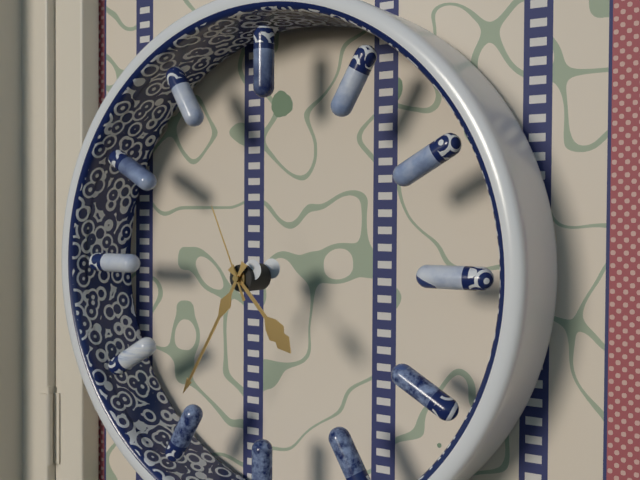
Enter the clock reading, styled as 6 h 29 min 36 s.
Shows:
4 h 35 min 56 s
